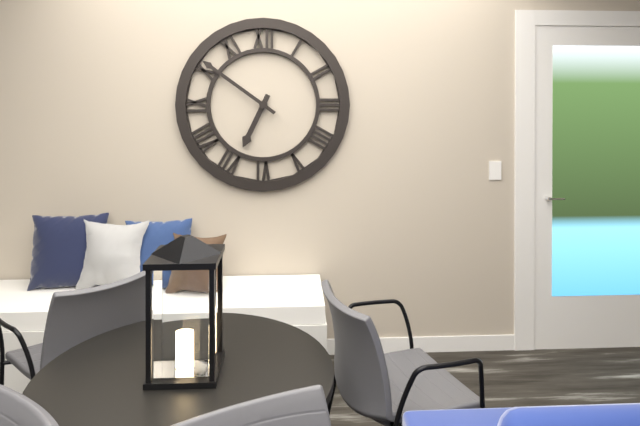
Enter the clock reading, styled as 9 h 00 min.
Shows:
6 h 51 min
